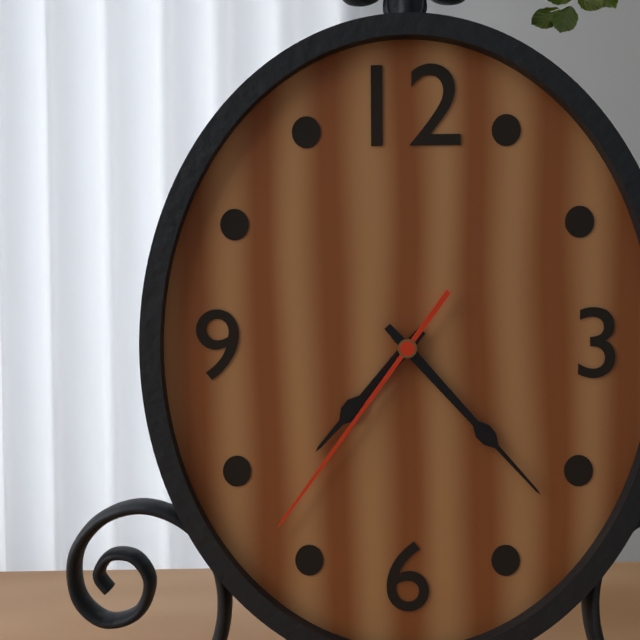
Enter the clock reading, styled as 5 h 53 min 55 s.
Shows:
7 h 23 min 36 s
